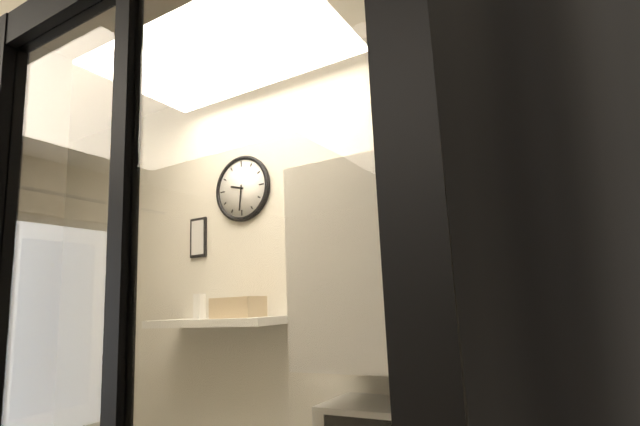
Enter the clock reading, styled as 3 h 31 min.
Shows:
9 h 31 min
